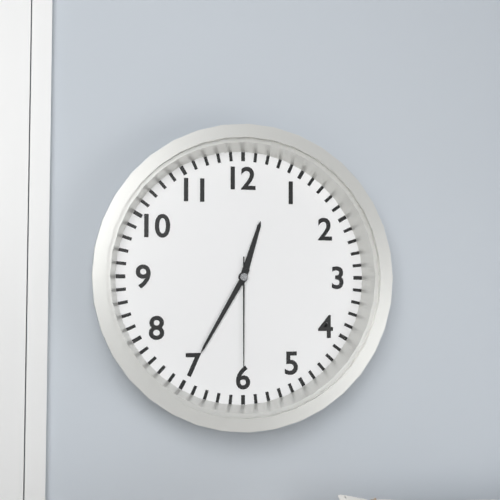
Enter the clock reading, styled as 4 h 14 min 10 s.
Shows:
12 h 35 min 30 s
